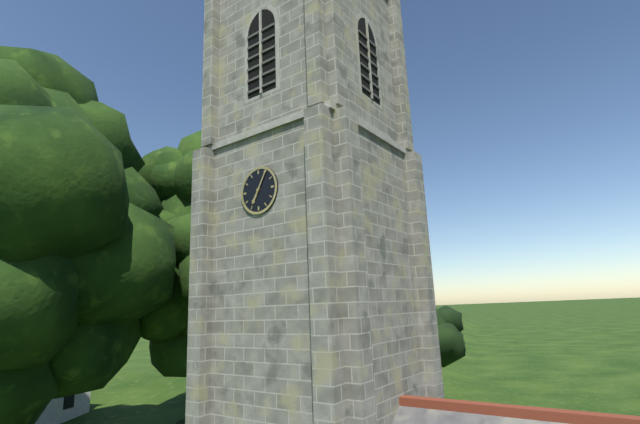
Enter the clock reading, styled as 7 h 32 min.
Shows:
7 h 05 min
